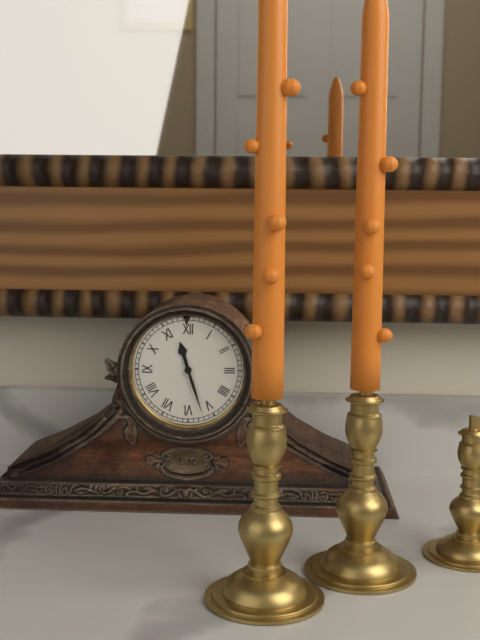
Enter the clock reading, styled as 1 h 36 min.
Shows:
11 h 27 min
